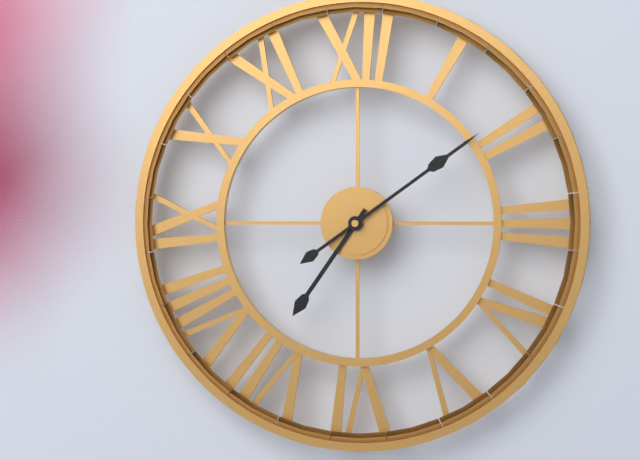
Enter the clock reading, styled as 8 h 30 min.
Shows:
7 h 09 min
